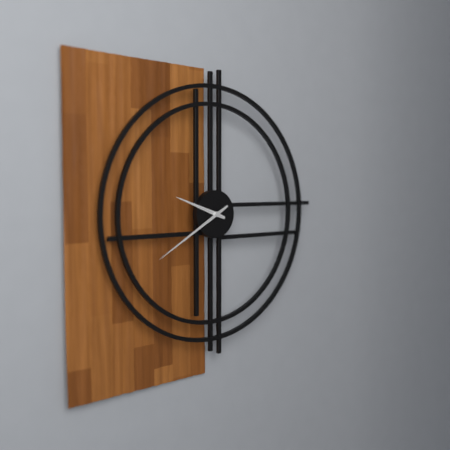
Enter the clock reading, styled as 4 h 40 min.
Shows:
9 h 40 min
